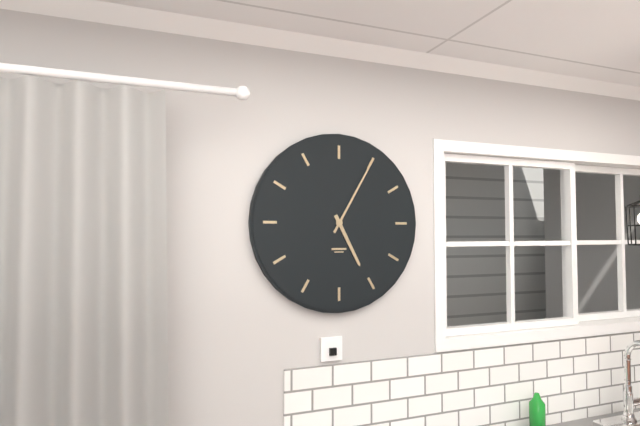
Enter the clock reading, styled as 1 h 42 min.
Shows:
5 h 05 min
